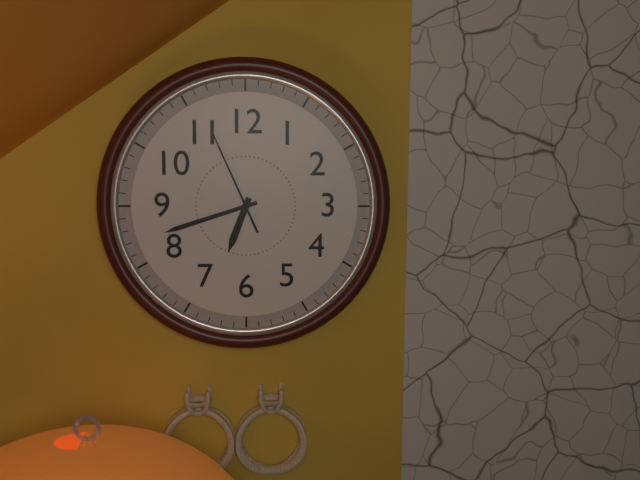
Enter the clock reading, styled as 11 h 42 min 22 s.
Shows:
6 h 42 min 56 s
